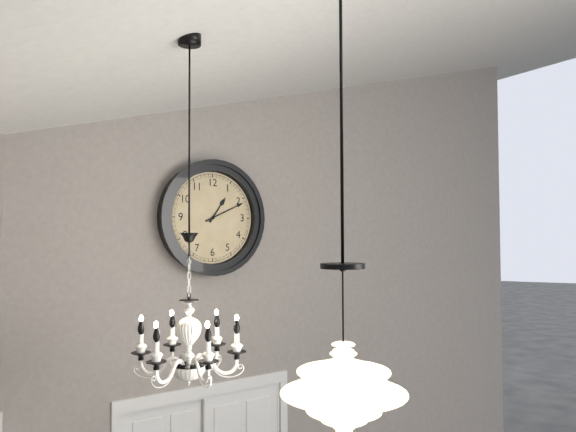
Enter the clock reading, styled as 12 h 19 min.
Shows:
1 h 11 min
